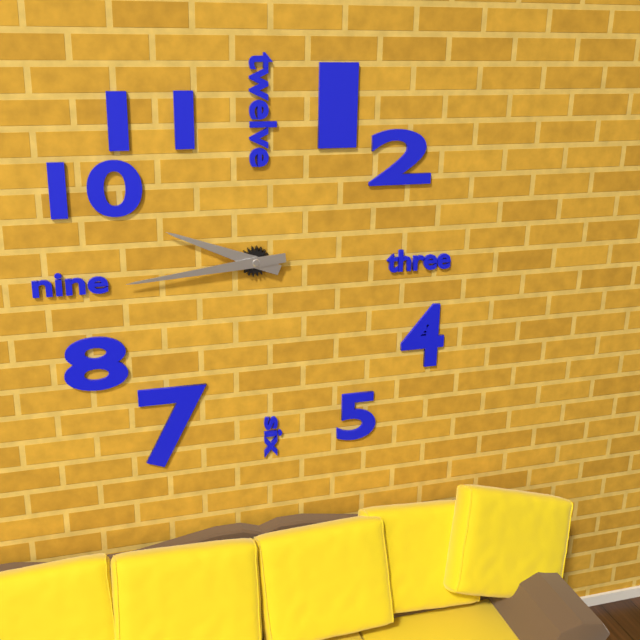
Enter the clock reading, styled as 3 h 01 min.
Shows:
9 h 44 min
